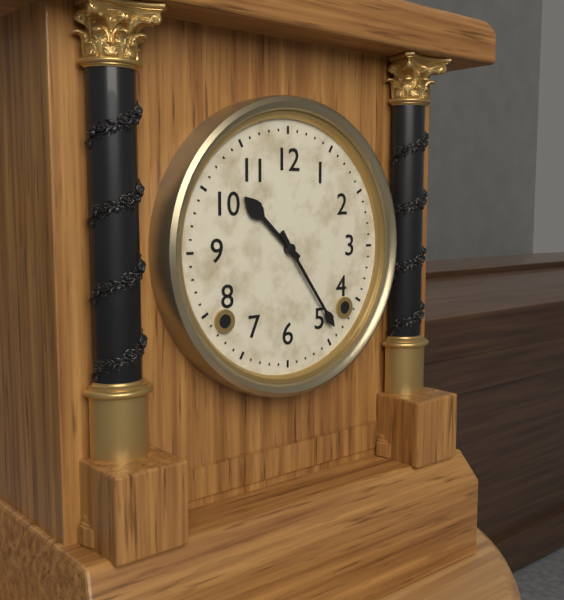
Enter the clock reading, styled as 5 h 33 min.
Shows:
10 h 24 min
